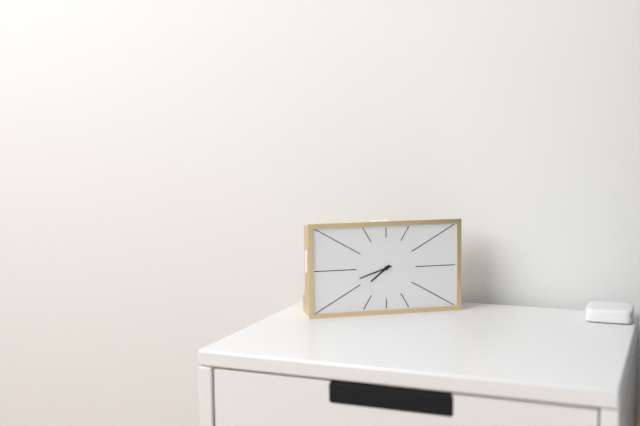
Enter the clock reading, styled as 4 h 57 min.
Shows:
7 h 42 min
